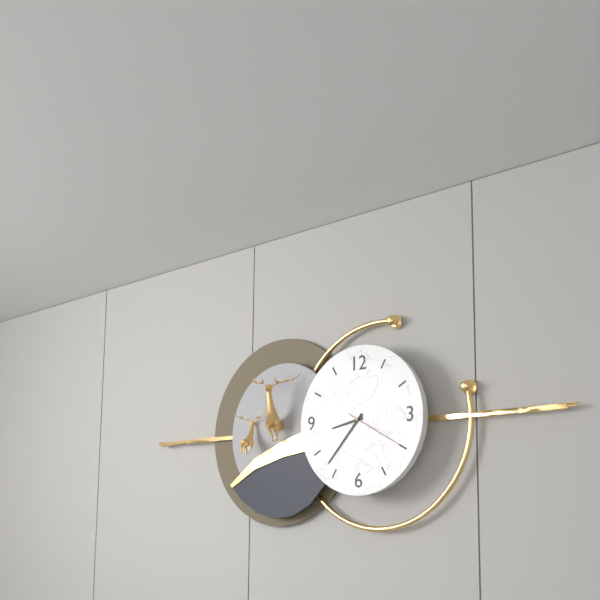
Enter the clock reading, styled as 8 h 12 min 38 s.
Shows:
8 h 37 min 20 s
